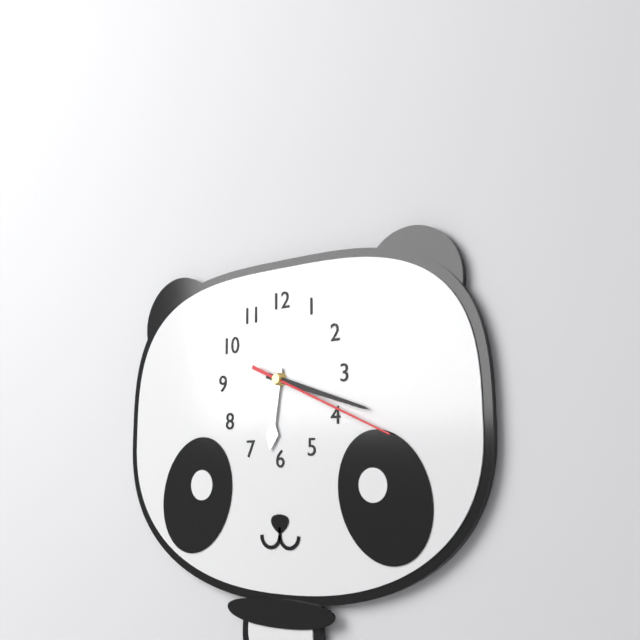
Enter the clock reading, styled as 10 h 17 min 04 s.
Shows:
6 h 18 min 19 s
